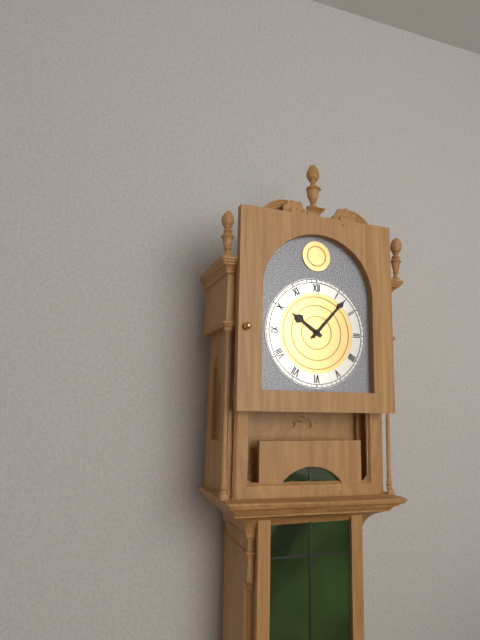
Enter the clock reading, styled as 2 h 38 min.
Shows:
10 h 07 min
